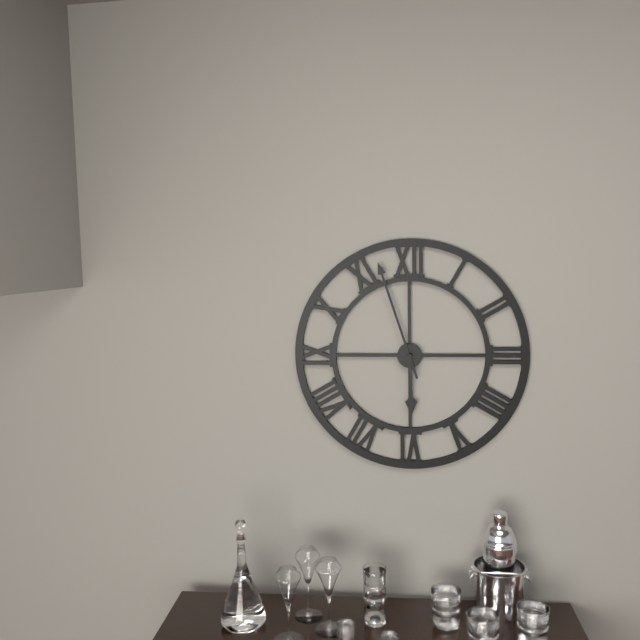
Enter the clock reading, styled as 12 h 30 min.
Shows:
5 h 57 min
